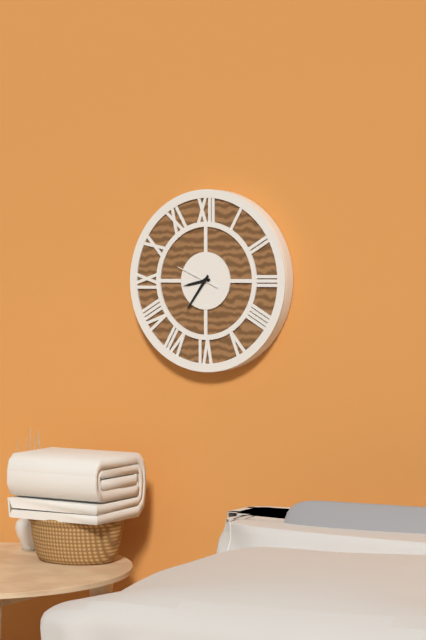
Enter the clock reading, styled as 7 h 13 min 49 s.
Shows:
8 h 36 min 49 s
